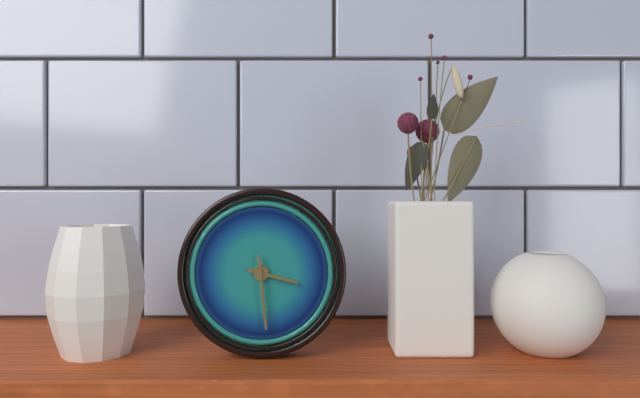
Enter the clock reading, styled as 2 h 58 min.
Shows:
3 h 29 min
